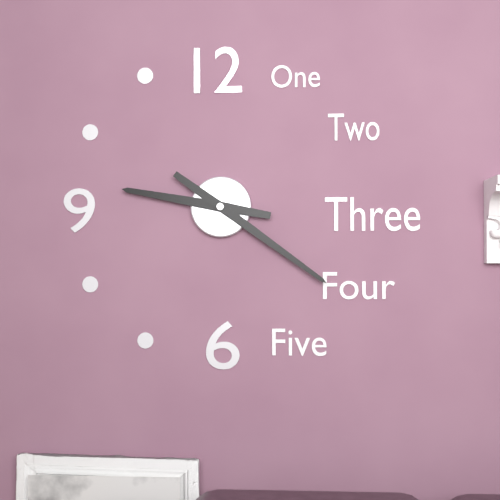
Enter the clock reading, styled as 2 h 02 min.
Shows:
9 h 21 min
